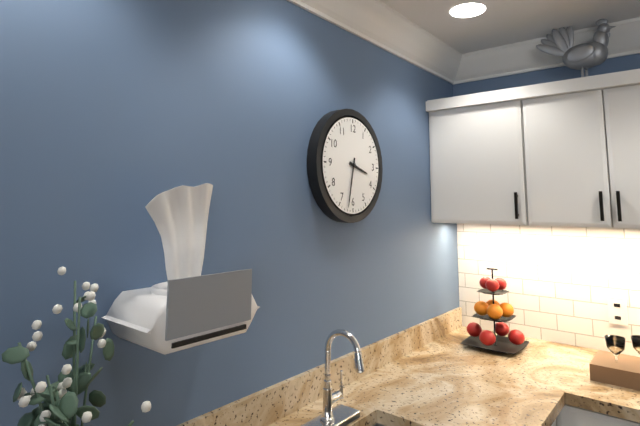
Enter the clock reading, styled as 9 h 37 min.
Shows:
3 h 32 min
